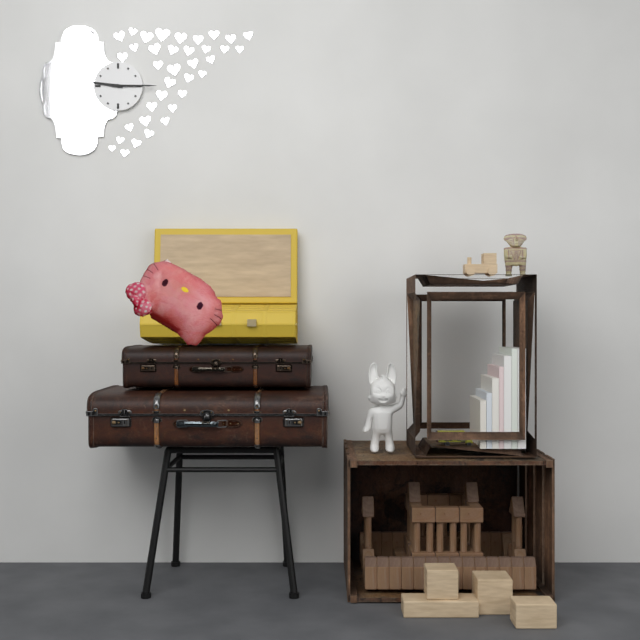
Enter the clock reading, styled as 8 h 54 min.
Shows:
9 h 15 min
